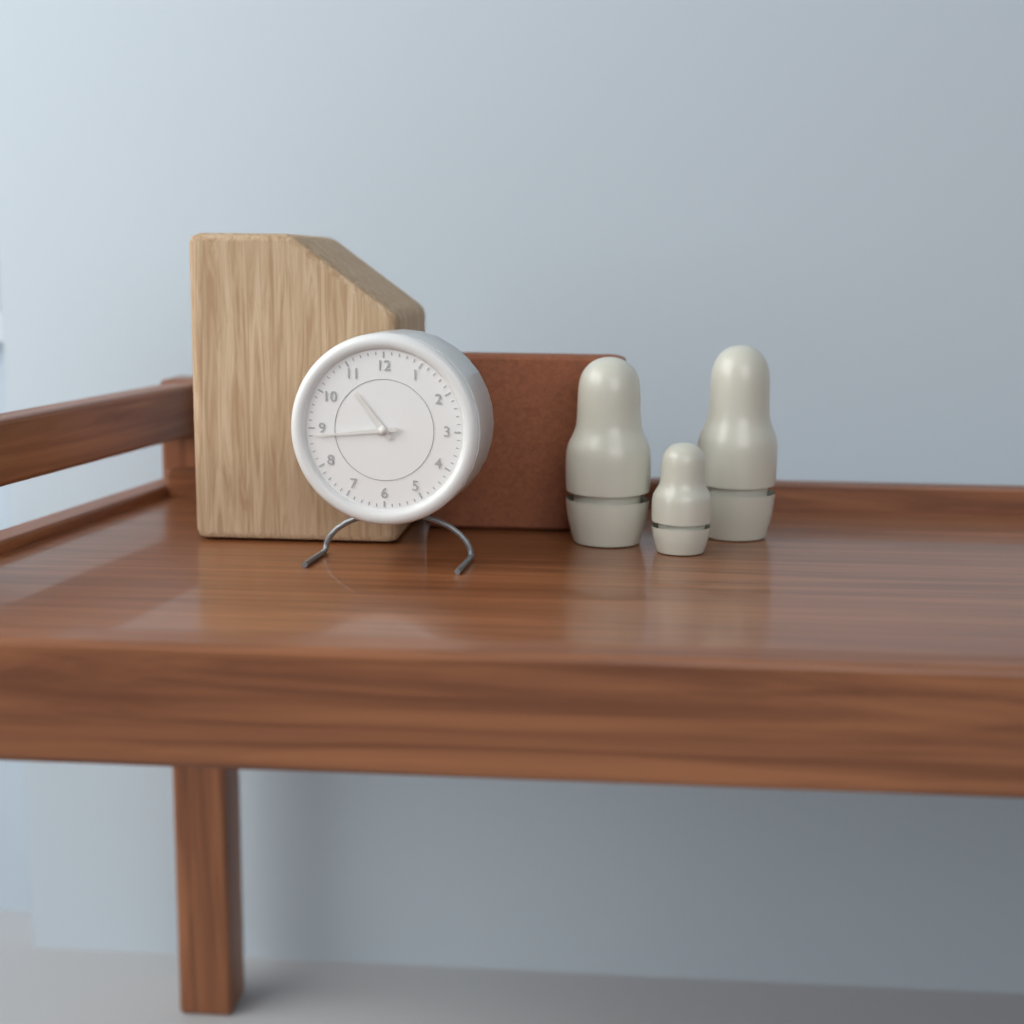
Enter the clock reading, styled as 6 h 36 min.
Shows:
10 h 44 min
